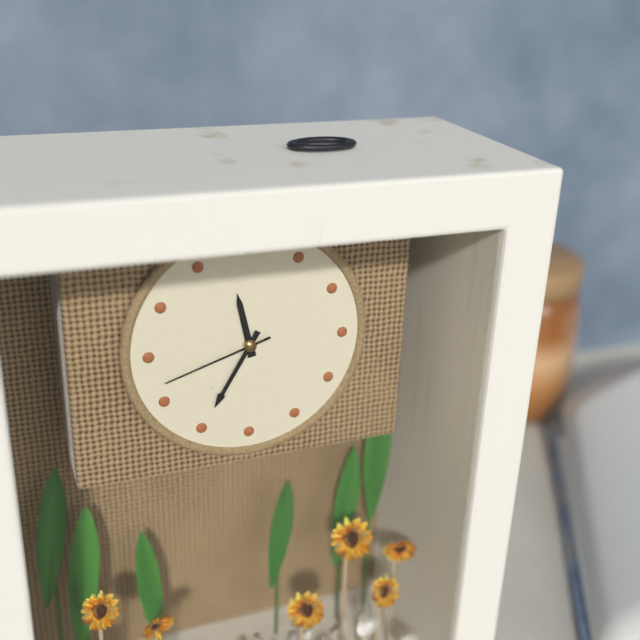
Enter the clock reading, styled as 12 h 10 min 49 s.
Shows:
11 h 35 min 42 s
